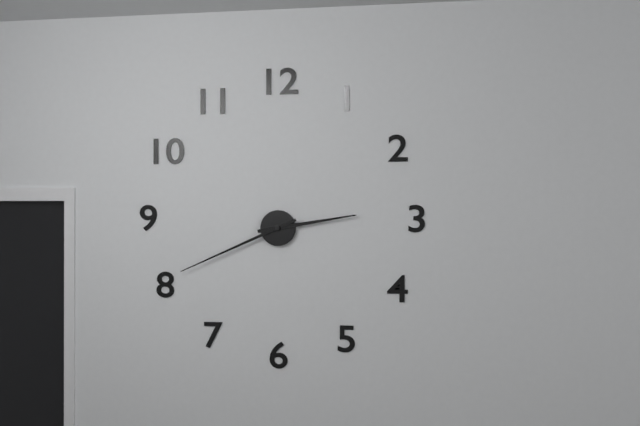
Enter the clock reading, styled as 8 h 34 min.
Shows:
2 h 41 min
